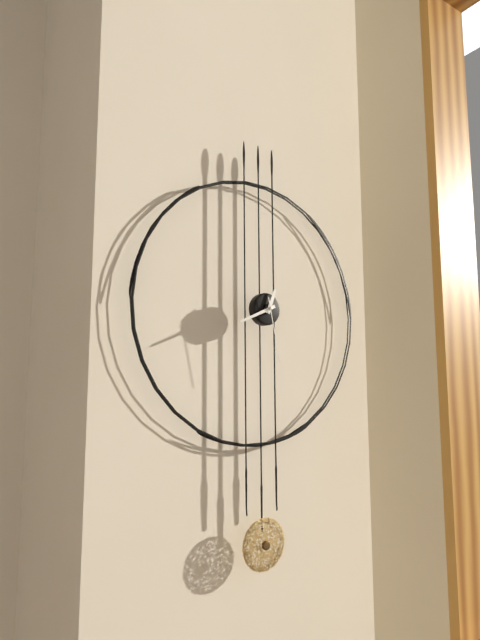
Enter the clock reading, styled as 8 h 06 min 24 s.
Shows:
12 h 41 min 28 s
